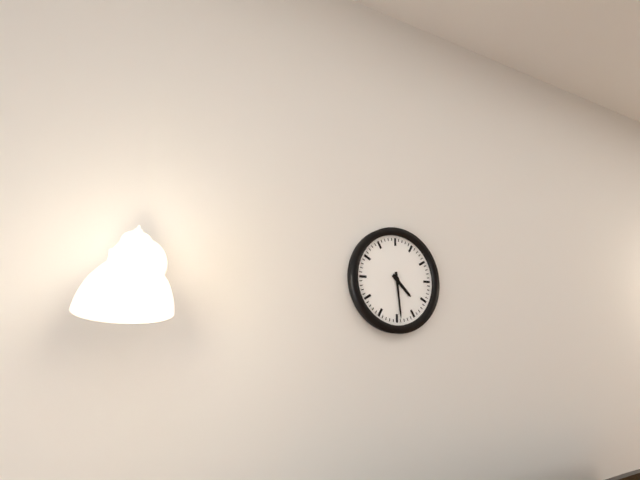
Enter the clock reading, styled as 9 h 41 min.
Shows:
4 h 29 min
